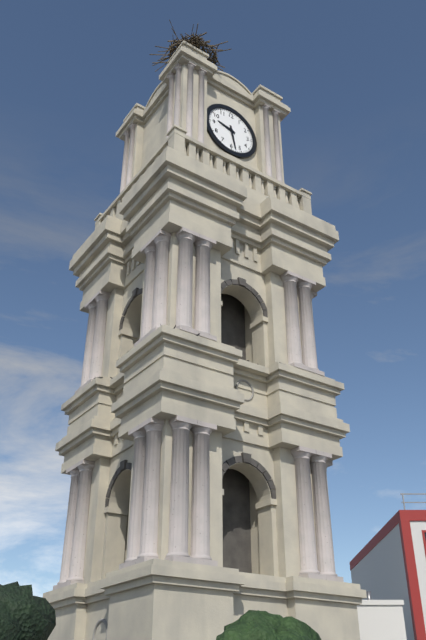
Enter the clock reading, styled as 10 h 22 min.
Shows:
9 h 28 min
